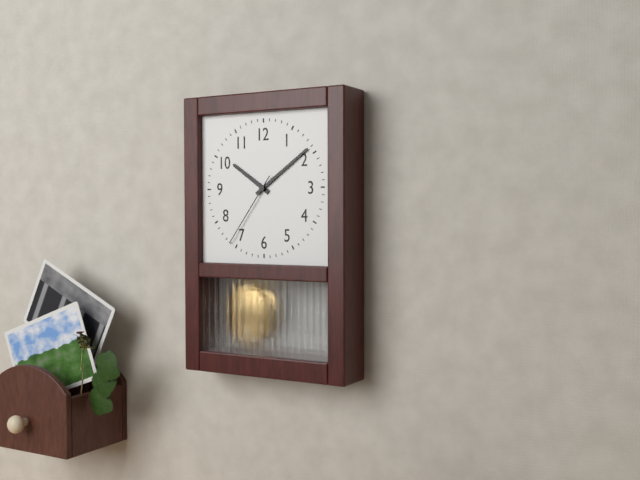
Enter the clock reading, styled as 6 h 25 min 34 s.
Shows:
10 h 09 min 36 s
